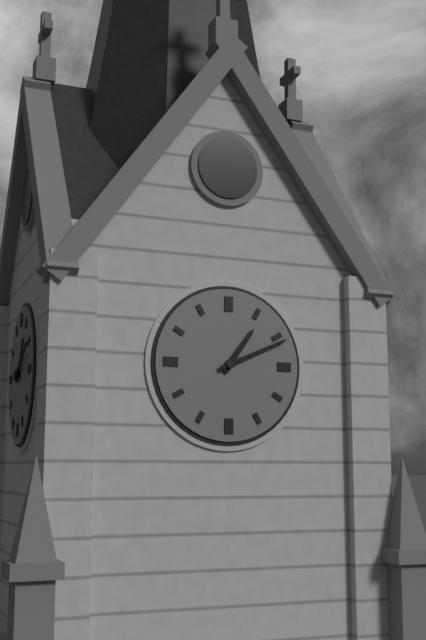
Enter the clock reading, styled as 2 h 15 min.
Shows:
1 h 11 min
